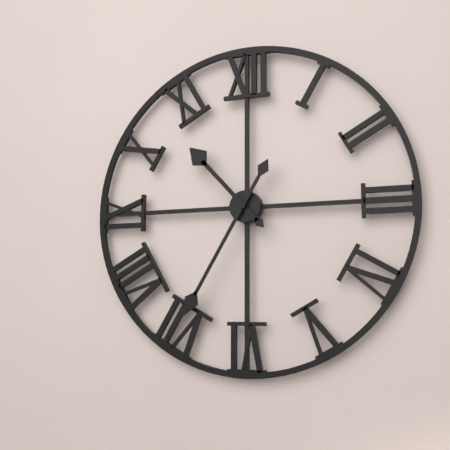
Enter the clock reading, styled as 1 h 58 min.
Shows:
10 h 35 min
